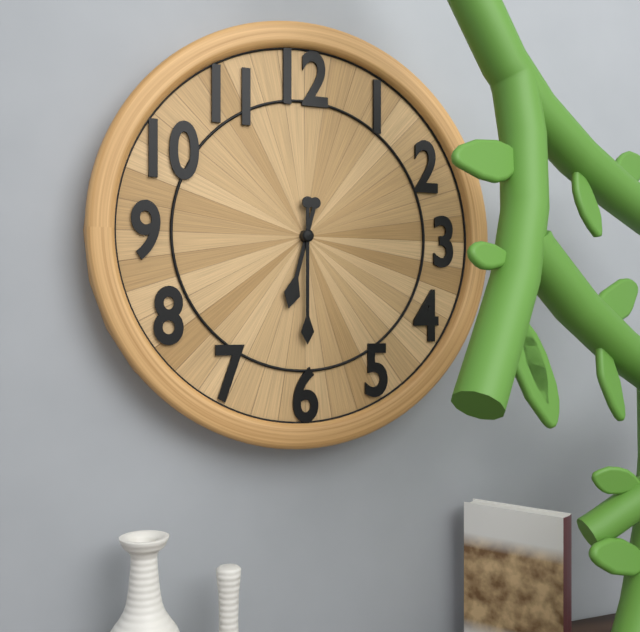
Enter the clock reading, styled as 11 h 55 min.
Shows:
6 h 30 min
